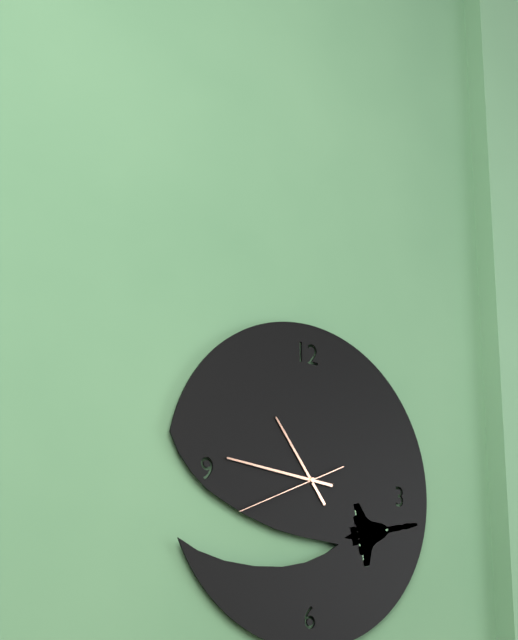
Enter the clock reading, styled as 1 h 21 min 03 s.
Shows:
10 h 46 min 41 s
